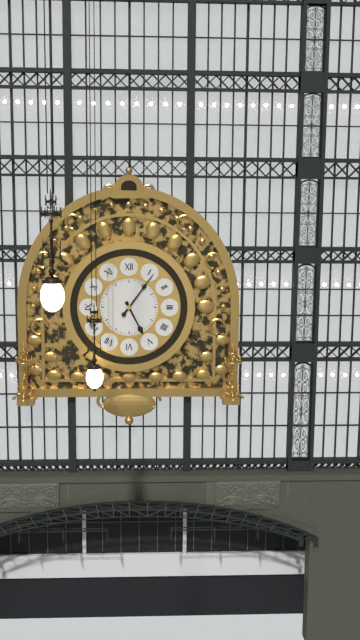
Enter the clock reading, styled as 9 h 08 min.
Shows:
5 h 06 min
